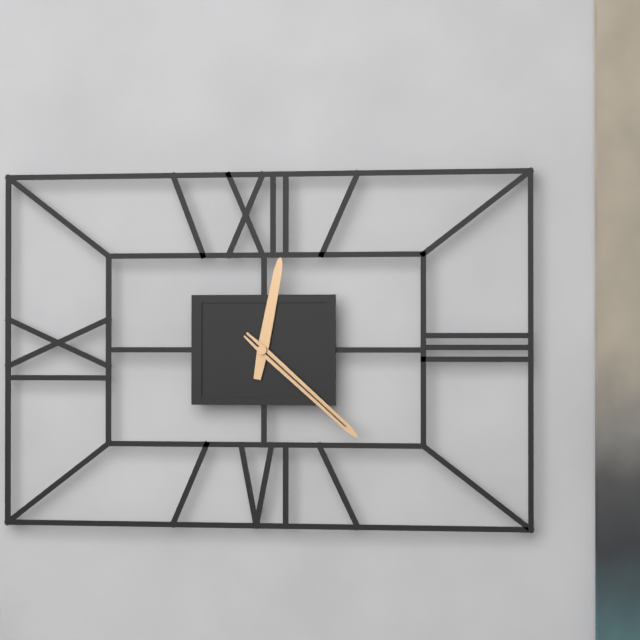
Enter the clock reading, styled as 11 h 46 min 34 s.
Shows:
12 h 22 min 22 s
